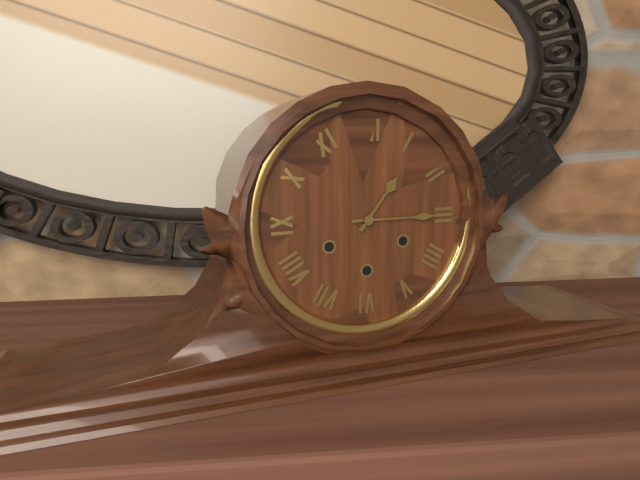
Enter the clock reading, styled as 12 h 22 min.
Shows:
1 h 15 min
